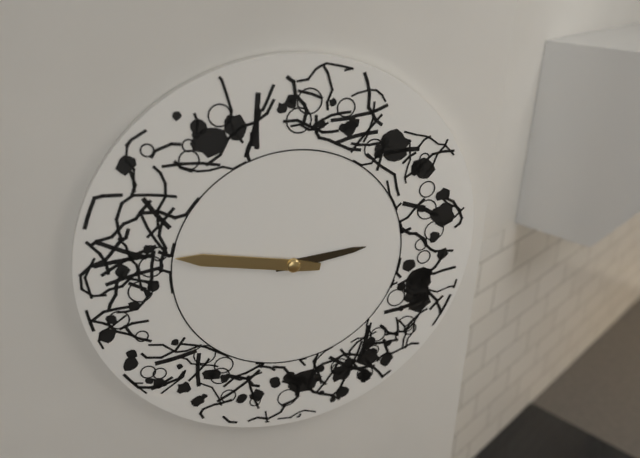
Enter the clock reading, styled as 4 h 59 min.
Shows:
2 h 47 min
